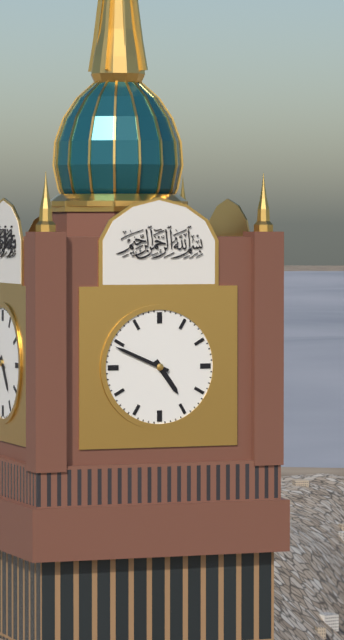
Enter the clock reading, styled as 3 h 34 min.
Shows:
4 h 49 min
